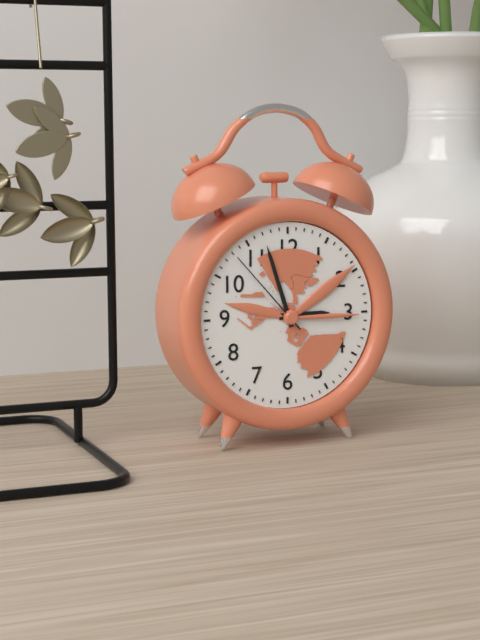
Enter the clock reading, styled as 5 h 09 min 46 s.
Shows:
2 h 57 min 53 s
